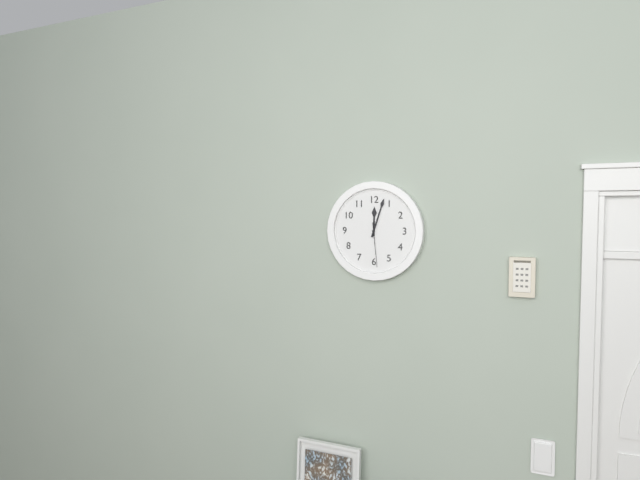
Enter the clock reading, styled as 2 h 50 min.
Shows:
12 h 03 min
